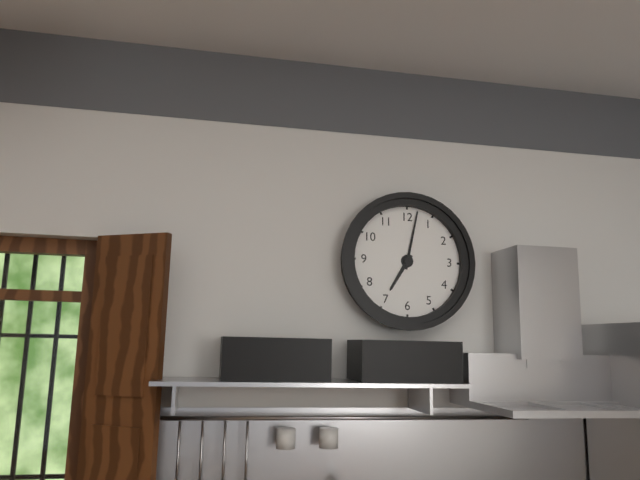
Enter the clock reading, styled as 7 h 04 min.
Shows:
7 h 02 min
